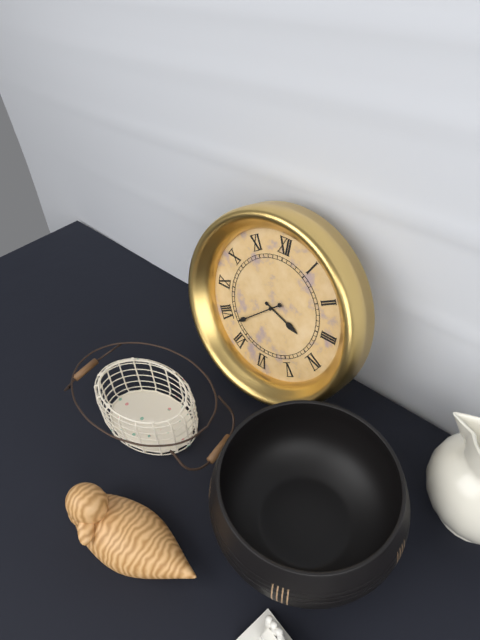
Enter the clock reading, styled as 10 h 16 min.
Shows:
3 h 38 min
